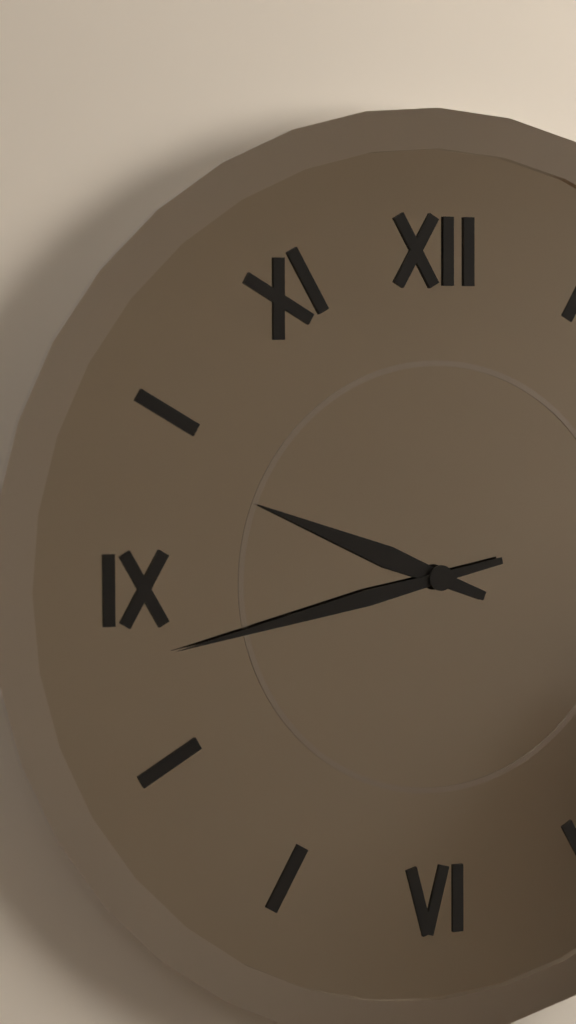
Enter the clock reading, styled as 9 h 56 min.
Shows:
9 h 43 min
